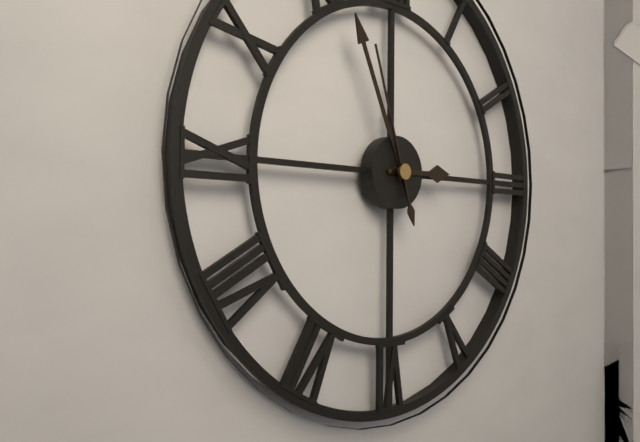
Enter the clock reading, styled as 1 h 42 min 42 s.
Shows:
2 h 56 min 57 s
